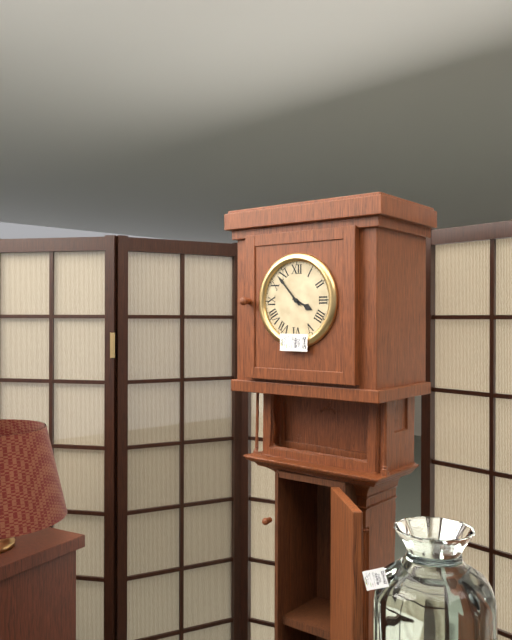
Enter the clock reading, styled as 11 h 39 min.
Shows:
3 h 53 min
